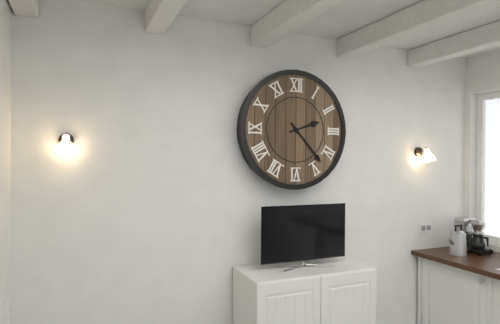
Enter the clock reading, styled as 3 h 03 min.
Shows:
2 h 23 min
